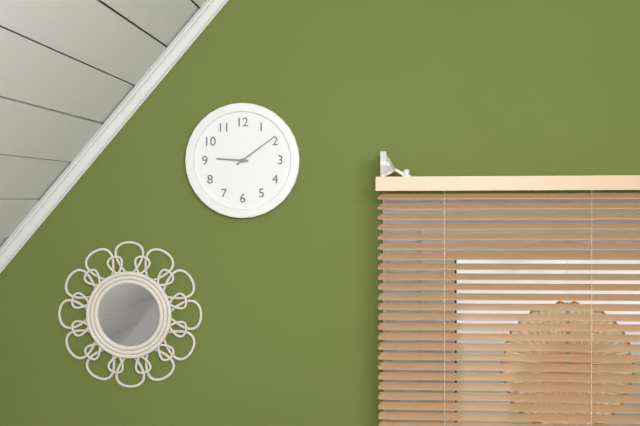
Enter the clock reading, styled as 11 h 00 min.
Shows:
9 h 09 min
